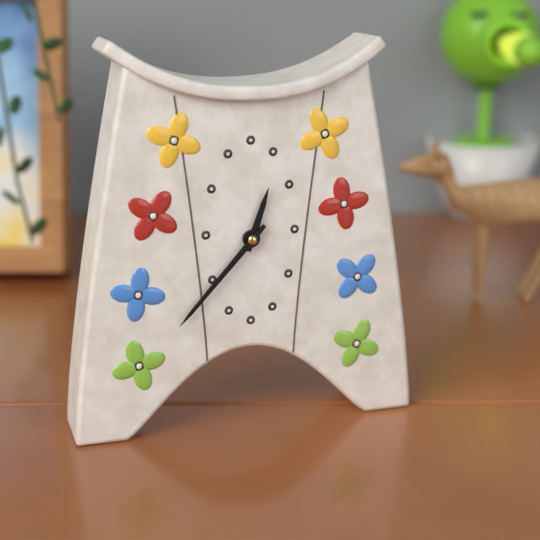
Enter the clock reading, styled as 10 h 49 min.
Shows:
12 h 37 min
